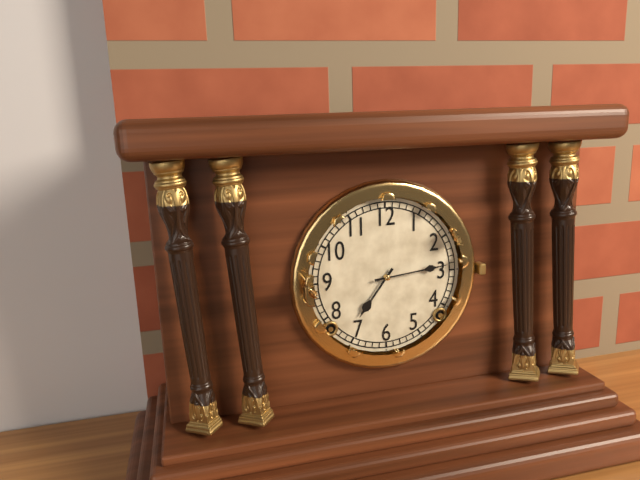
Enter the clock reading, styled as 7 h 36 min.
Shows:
7 h 14 min
